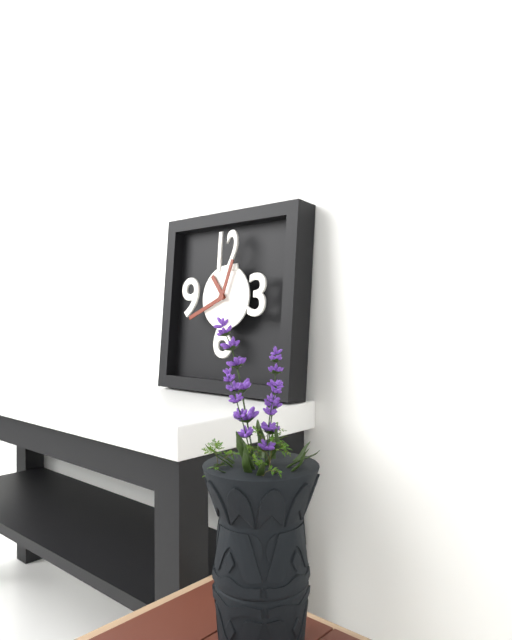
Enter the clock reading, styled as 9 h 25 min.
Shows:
10 h 41 min
